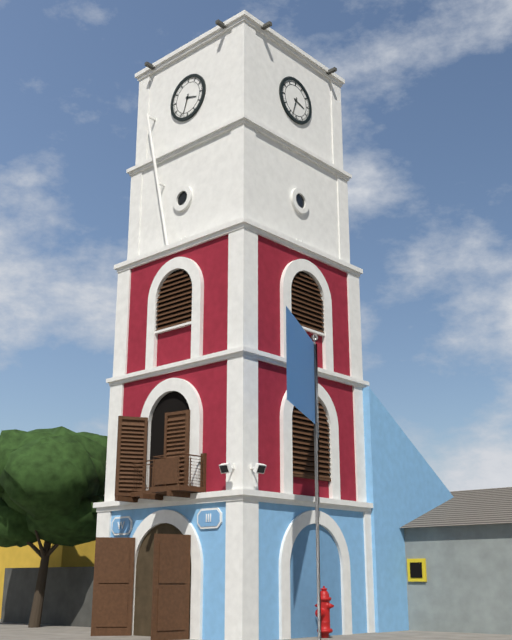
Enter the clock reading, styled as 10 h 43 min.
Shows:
3 h 33 min
